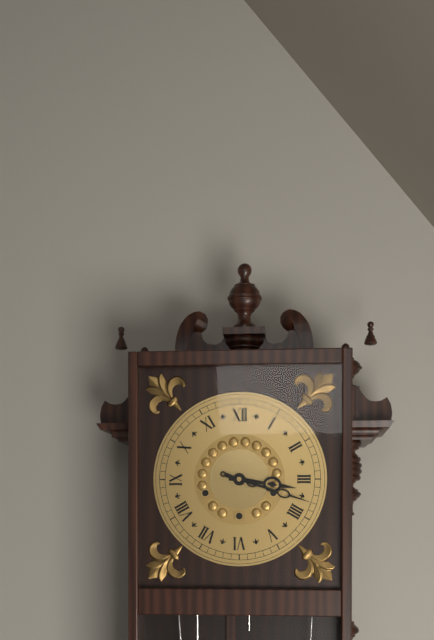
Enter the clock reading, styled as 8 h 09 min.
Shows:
3 h 18 min
